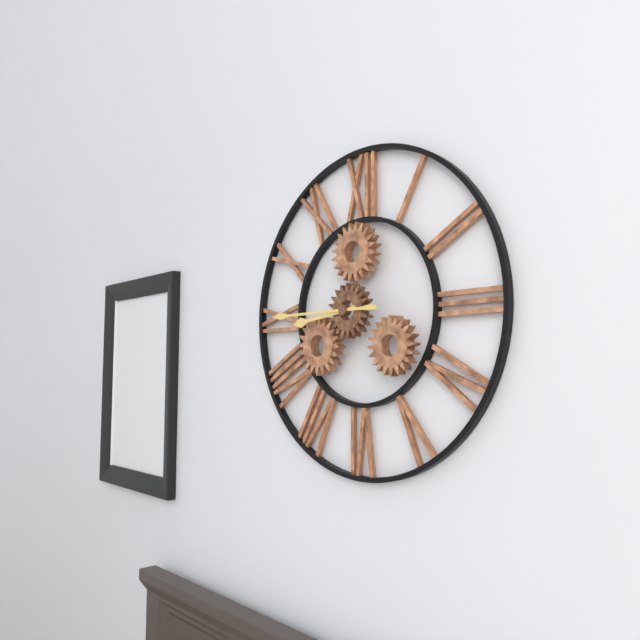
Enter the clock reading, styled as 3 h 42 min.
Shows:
8 h 45 min
